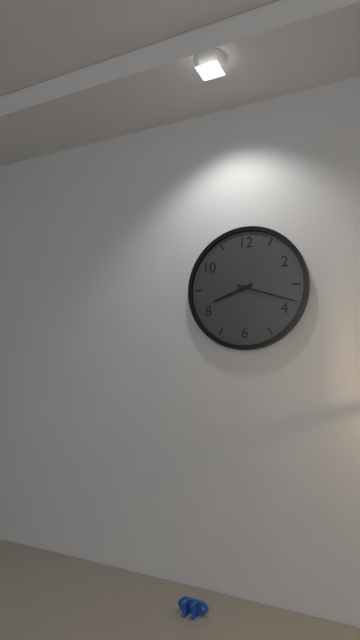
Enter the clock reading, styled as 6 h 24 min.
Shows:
8 h 18 min
